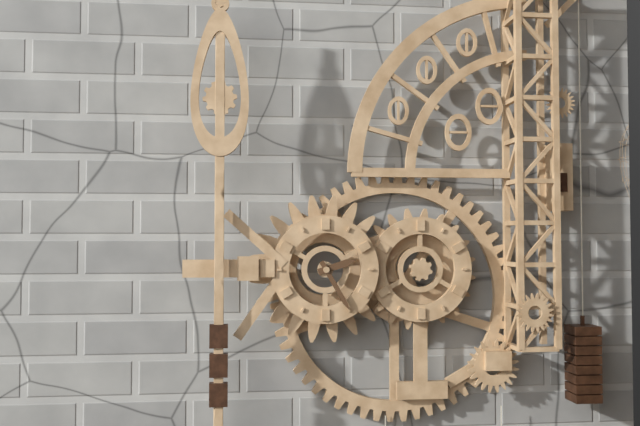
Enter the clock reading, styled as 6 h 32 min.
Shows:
2 h 25 min
